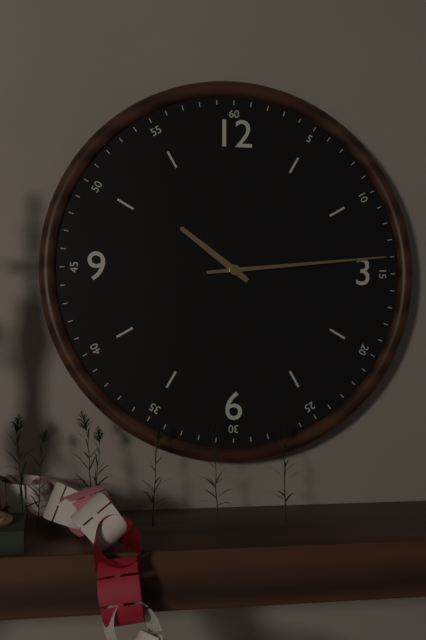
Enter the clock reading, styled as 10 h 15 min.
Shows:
10 h 14 min
